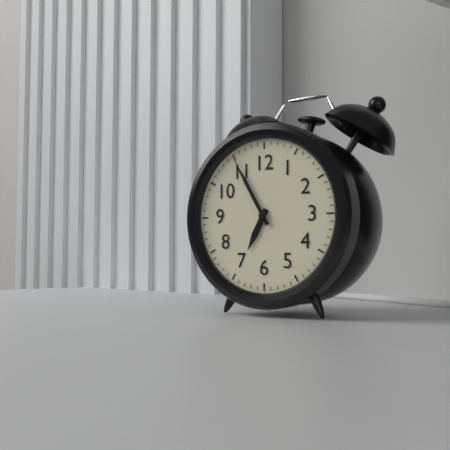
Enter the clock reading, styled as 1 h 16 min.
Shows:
6 h 55 min
